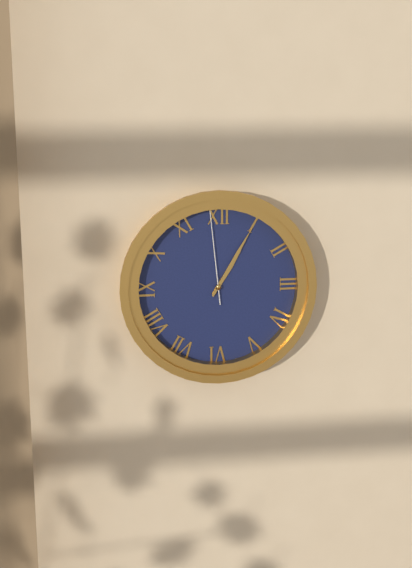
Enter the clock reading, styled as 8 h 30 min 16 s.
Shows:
1 h 05 min 59 s
